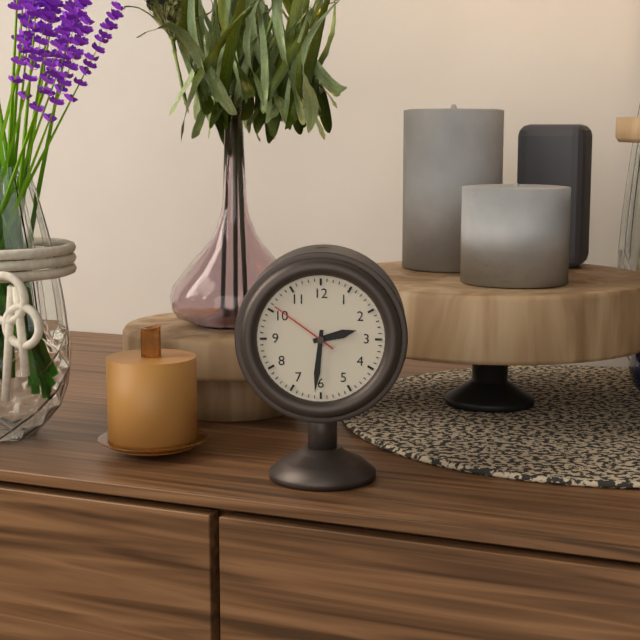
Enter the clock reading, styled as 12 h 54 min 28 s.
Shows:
2 h 31 min 51 s
